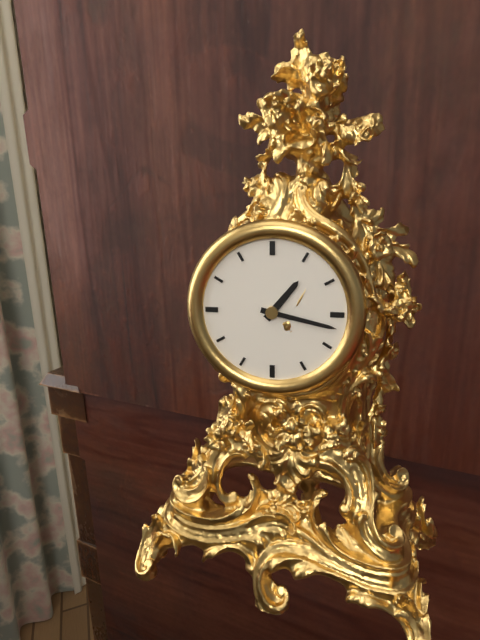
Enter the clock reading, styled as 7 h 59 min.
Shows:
1 h 17 min
